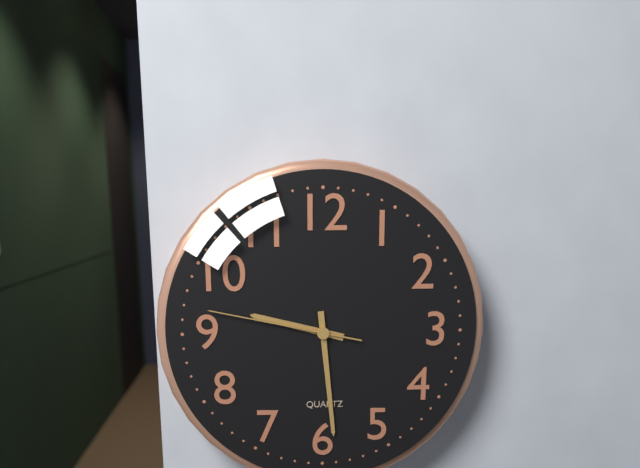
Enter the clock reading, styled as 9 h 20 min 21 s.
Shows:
9 h 29 min 47 s
